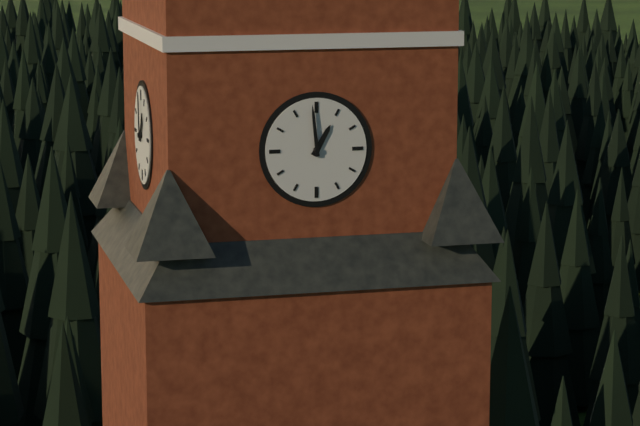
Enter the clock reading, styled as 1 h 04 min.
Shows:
12 h 59 min
